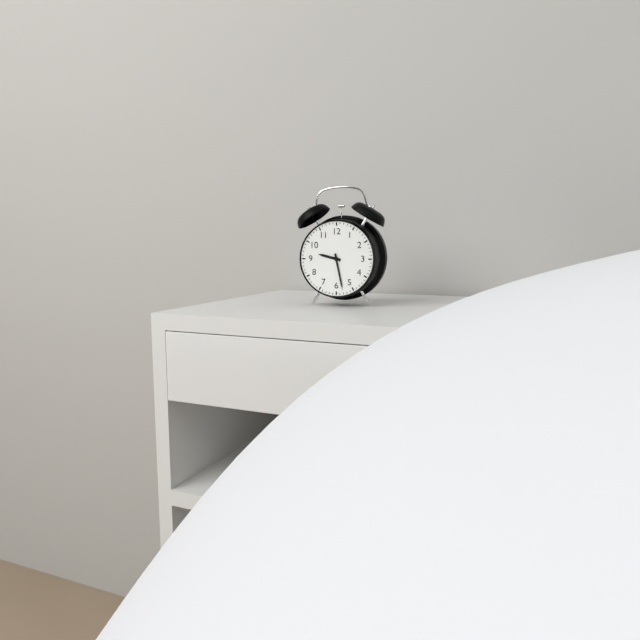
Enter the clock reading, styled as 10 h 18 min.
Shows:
9 h 28 min
